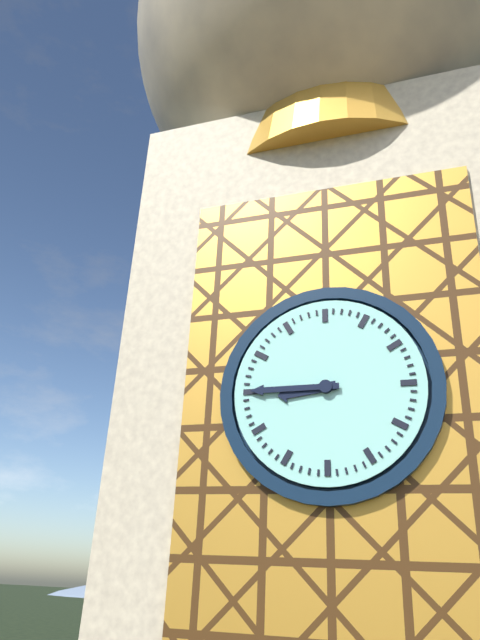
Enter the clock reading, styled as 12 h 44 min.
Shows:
8 h 45 min
